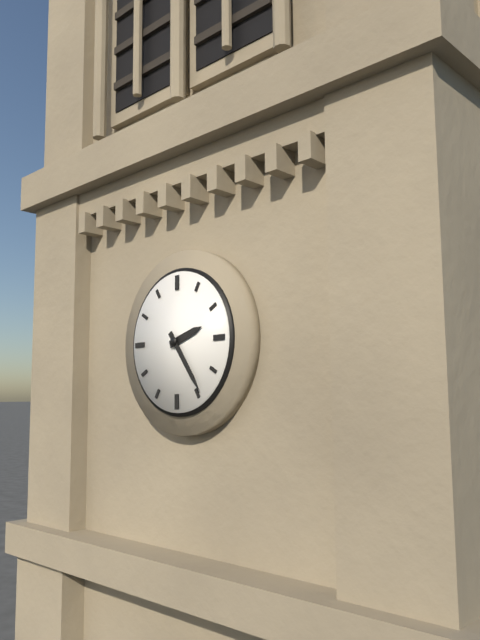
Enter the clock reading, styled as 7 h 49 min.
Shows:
2 h 24 min
